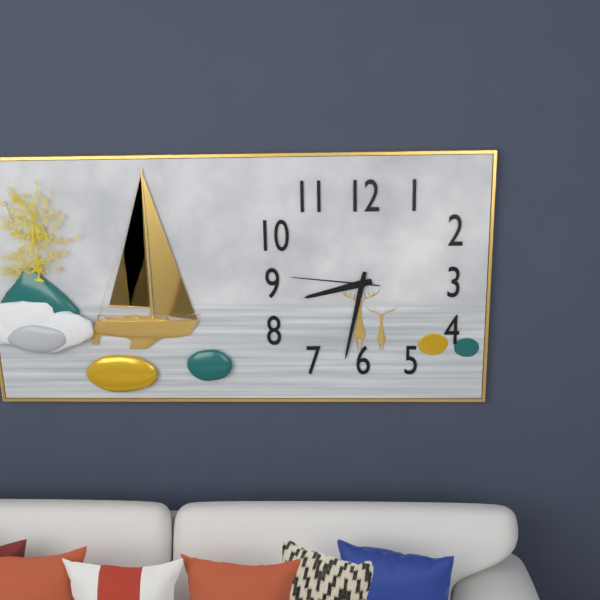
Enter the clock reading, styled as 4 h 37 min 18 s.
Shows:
8 h 32 min 46 s
